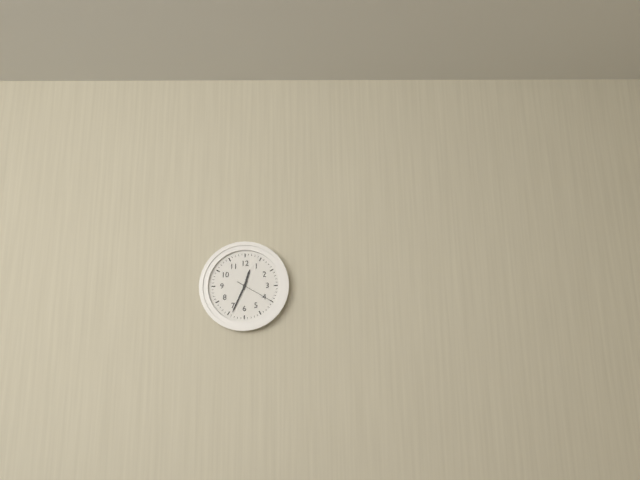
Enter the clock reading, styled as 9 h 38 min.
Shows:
12 h 34 min
